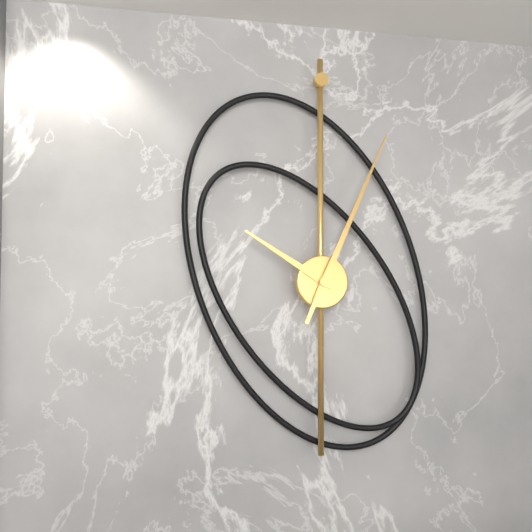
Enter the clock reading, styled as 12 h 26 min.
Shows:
10 h 04 min
